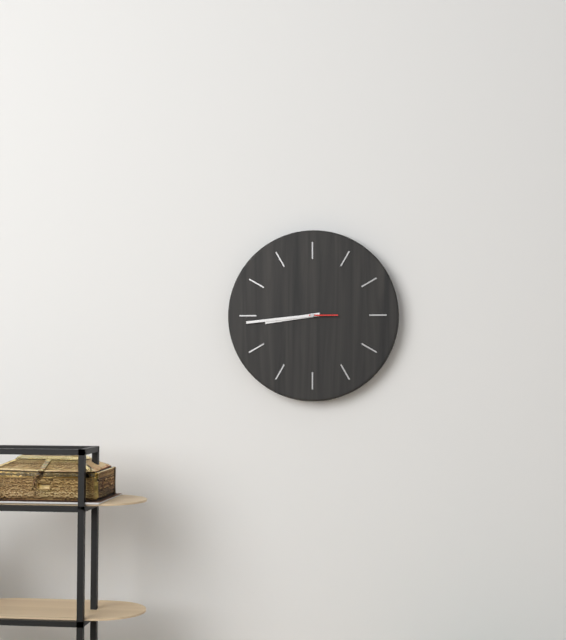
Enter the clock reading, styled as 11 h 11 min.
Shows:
8 h 44 min
